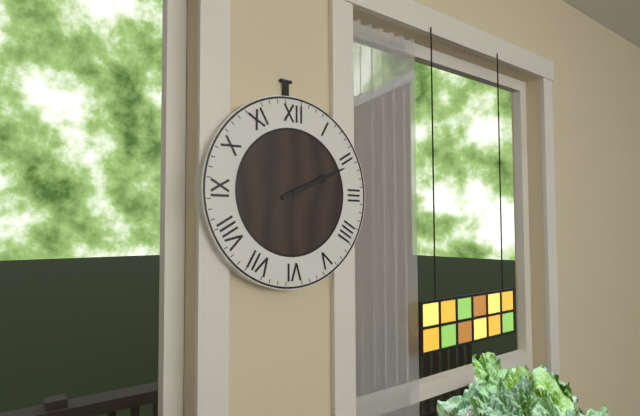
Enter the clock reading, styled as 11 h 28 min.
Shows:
2 h 11 min
